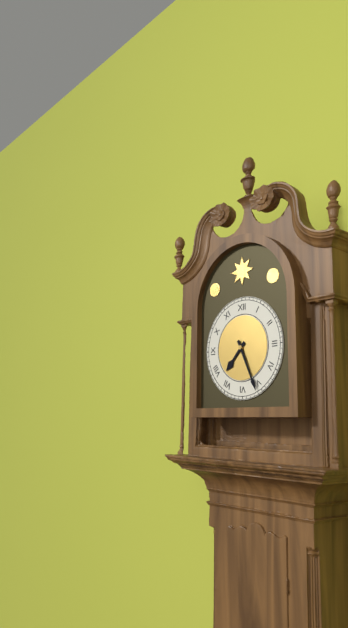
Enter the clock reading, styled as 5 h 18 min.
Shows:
7 h 26 min
